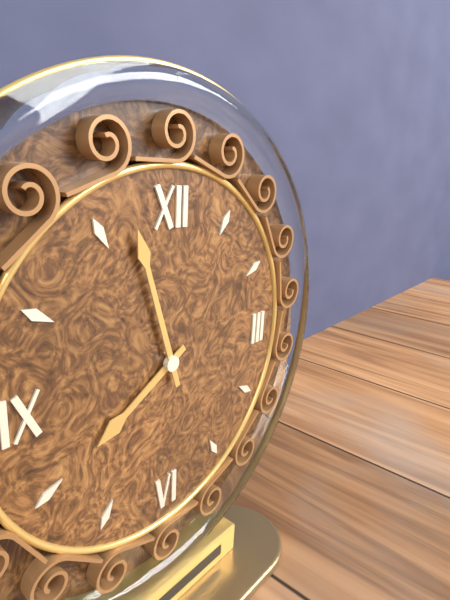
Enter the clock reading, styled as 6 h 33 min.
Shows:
7 h 57 min
